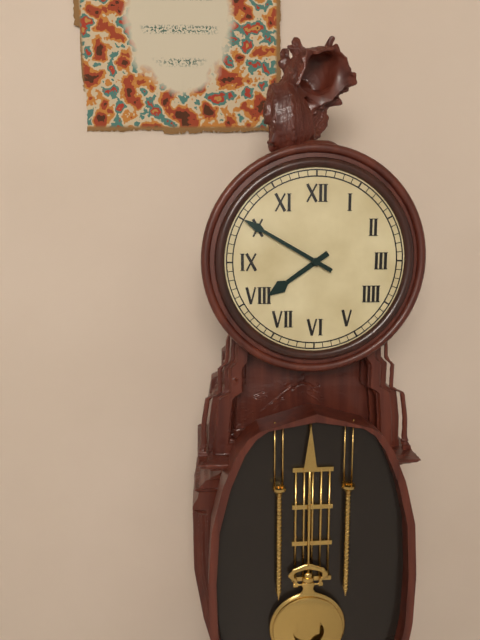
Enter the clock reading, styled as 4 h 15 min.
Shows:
7 h 50 min
